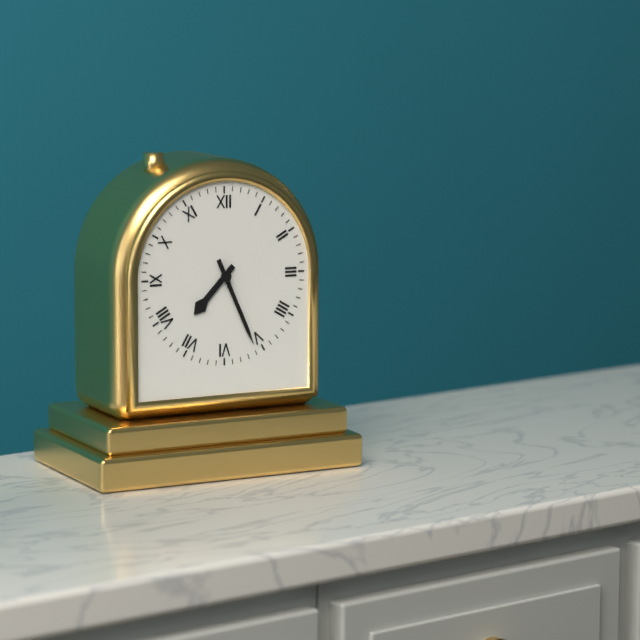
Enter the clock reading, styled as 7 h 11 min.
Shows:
7 h 26 min
